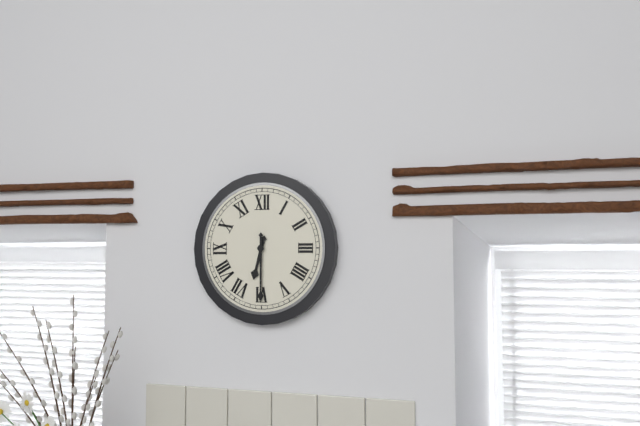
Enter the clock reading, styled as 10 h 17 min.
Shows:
6 h 30 min
